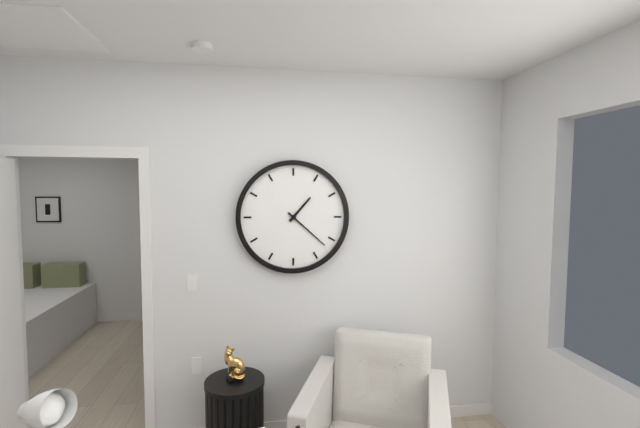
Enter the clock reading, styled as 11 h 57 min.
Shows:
1 h 22 min
